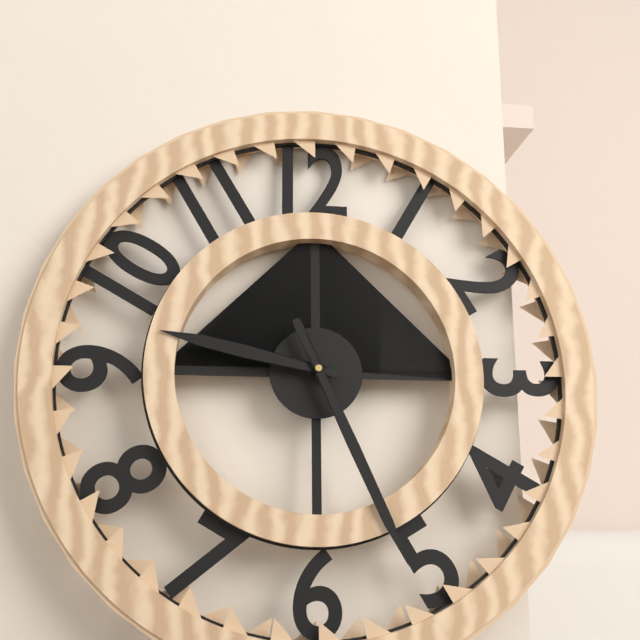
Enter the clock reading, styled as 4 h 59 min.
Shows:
9 h 26 min
